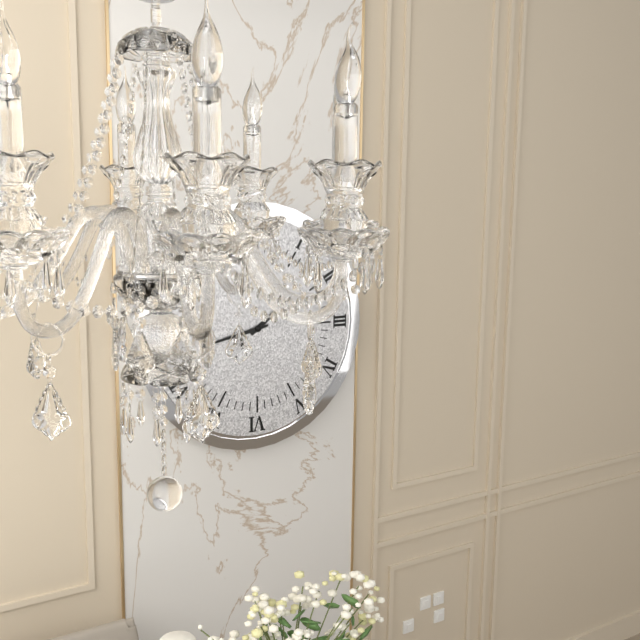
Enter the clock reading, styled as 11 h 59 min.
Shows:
1 h 43 min
